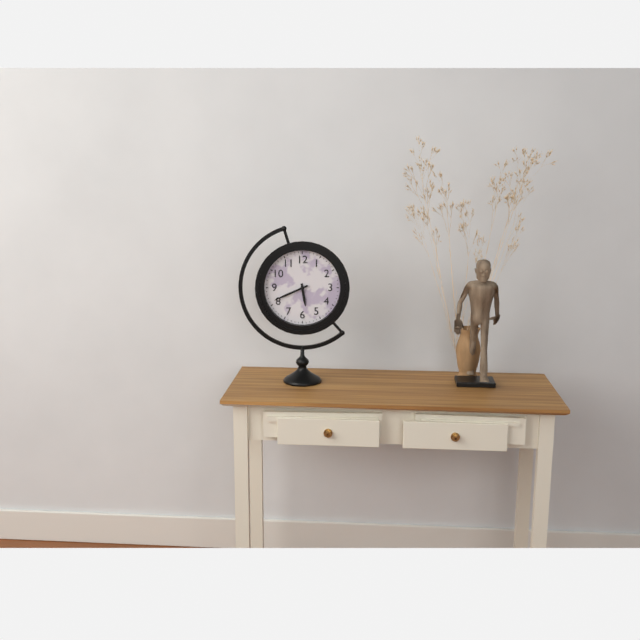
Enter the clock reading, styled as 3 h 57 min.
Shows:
5 h 41 min
